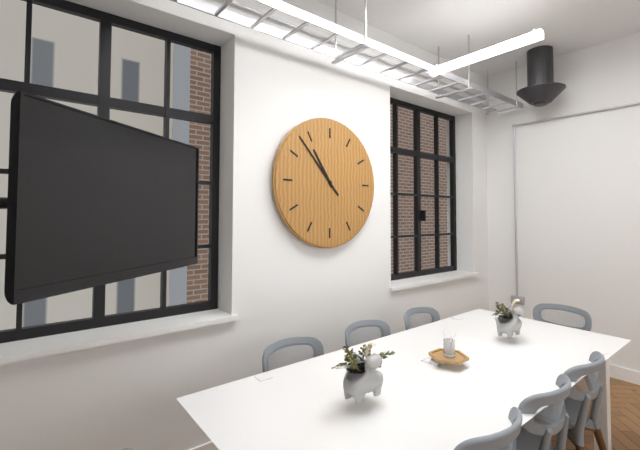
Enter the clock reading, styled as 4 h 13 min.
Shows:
10 h 53 min
